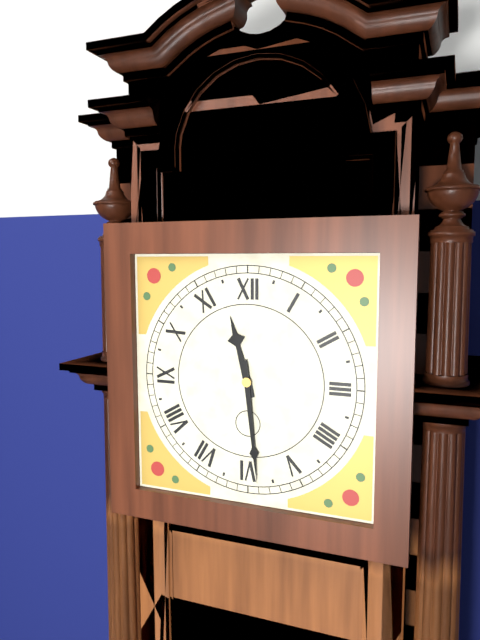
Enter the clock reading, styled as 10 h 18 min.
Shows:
11 h 29 min
